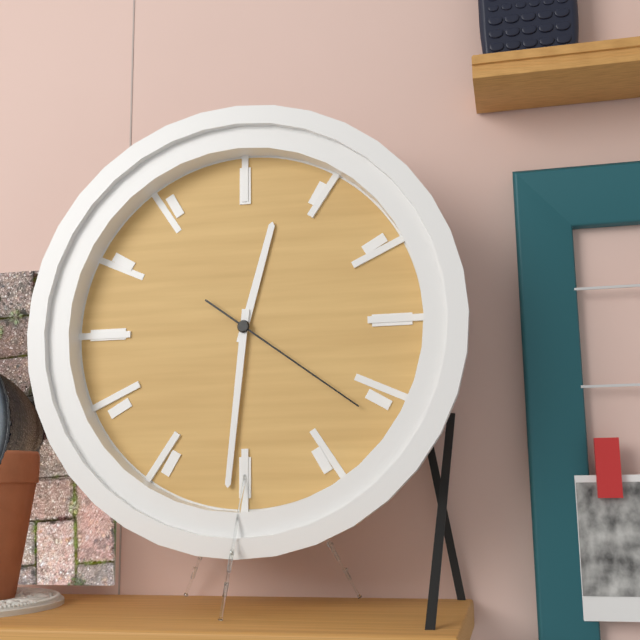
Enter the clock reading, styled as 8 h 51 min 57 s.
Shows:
12 h 31 min 21 s
